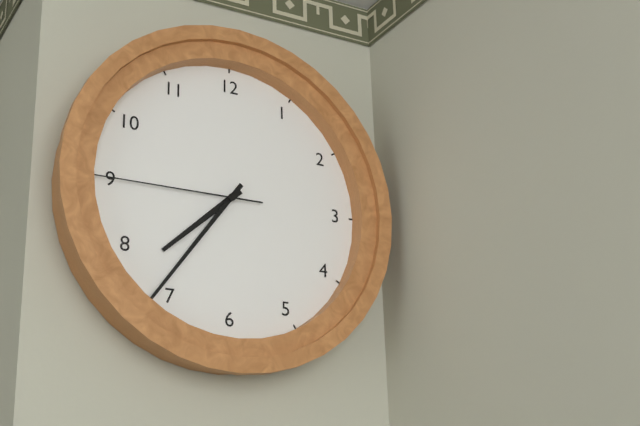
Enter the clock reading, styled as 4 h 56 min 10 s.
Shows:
7 h 36 min 45 s
